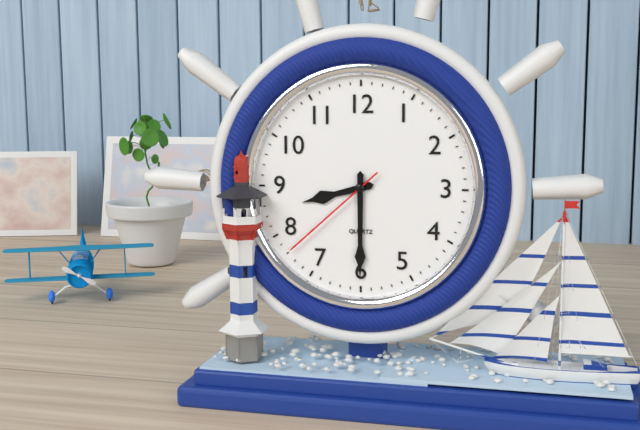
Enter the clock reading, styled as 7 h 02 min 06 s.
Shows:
8 h 30 min 38 s
